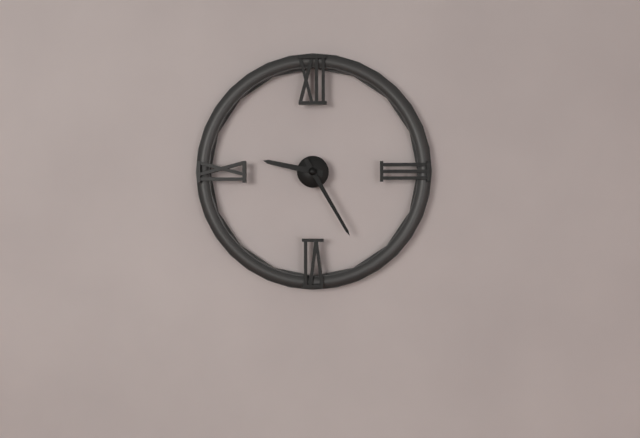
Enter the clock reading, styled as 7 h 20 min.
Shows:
9 h 25 min
